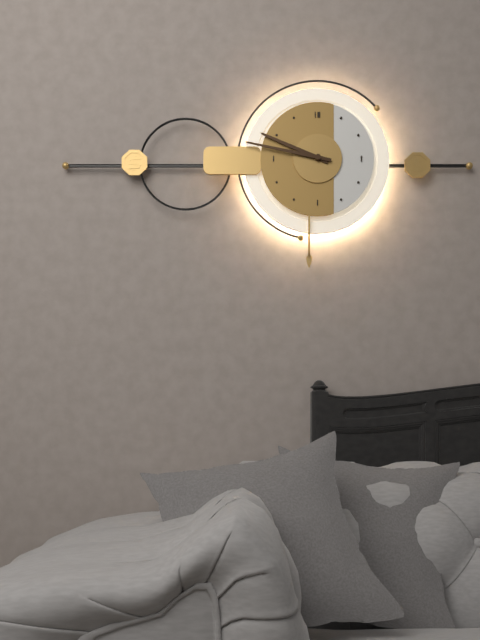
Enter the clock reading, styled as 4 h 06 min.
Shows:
9 h 47 min
